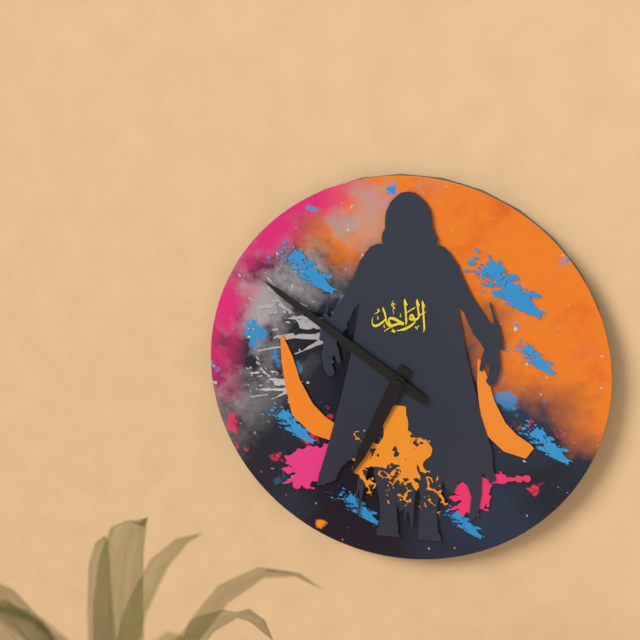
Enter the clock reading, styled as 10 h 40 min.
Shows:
6 h 51 min
